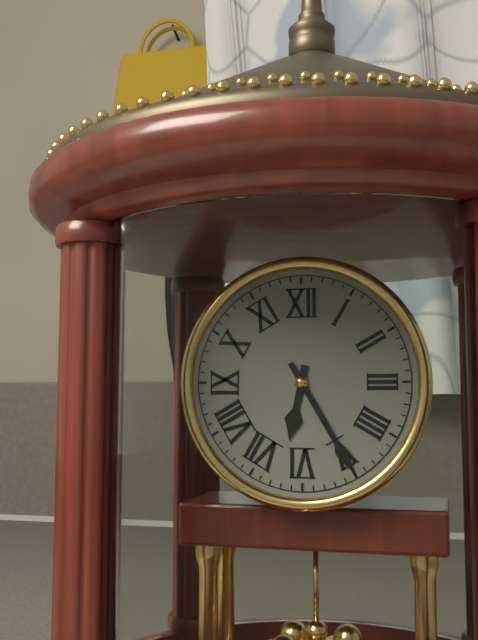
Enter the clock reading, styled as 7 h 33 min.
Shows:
6 h 25 min
